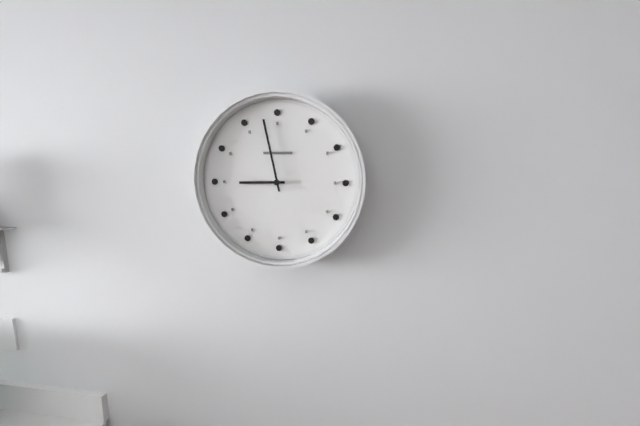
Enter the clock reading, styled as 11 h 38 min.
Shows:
8 h 58 min
